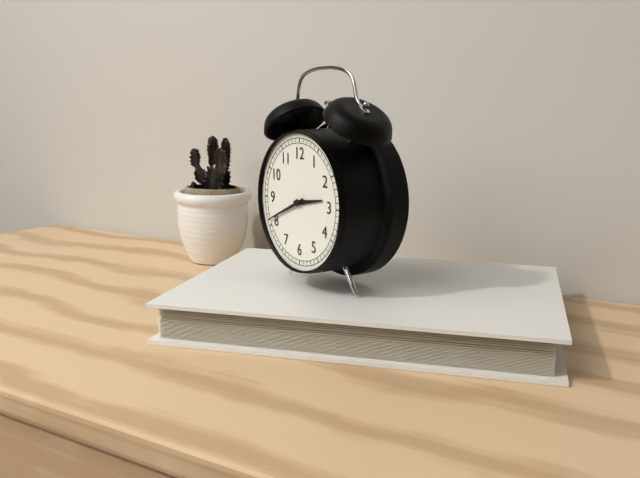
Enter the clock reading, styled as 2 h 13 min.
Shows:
2 h 41 min
